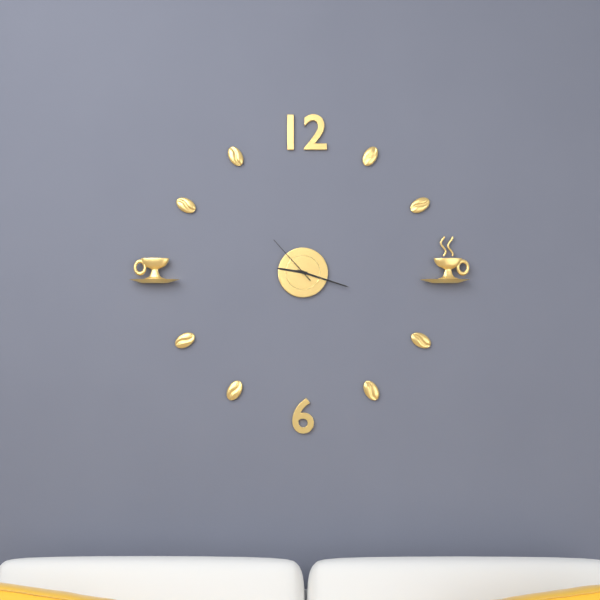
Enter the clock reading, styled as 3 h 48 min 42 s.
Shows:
9 h 18 min 53 s
